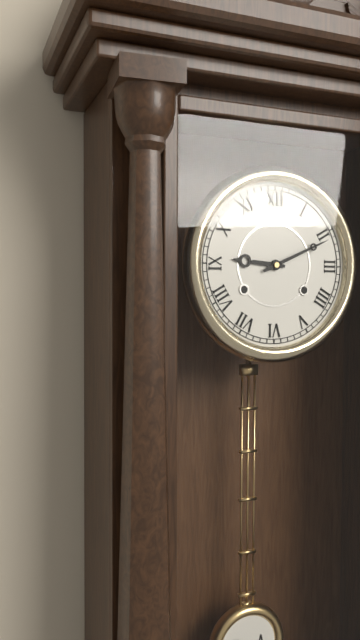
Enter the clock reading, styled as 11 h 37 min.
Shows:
9 h 11 min
